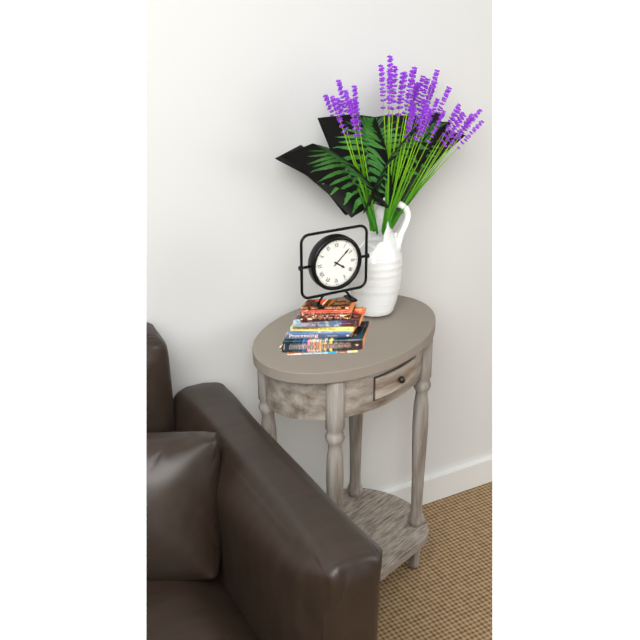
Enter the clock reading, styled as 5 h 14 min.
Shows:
4 h 08 min
